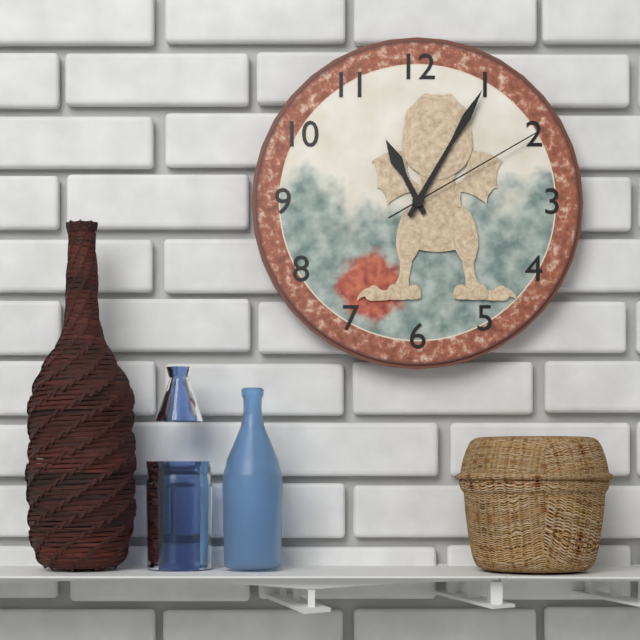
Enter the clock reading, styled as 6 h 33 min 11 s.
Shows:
11 h 05 min 10 s
